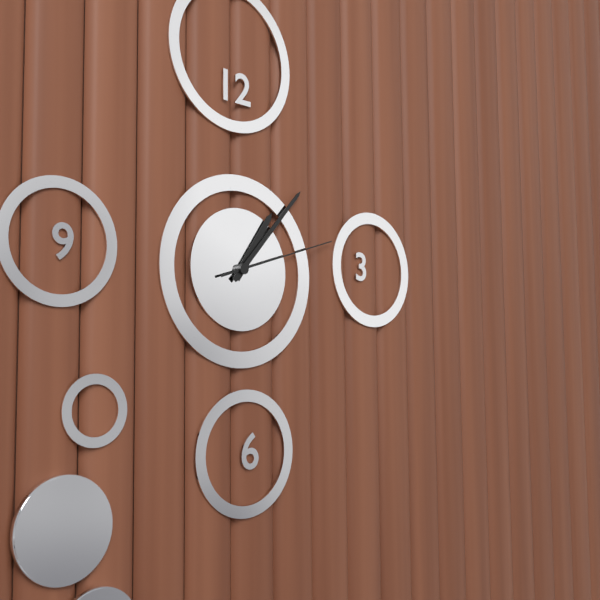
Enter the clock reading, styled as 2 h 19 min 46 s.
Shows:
1 h 07 min 12 s
